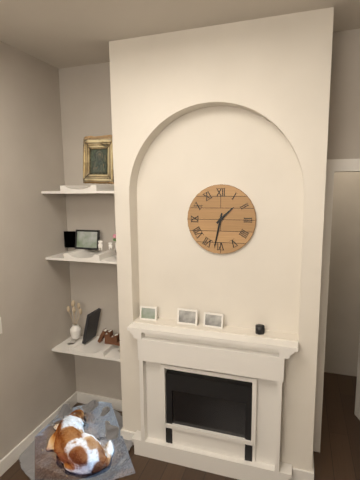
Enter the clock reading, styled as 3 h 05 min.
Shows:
1 h 32 min
